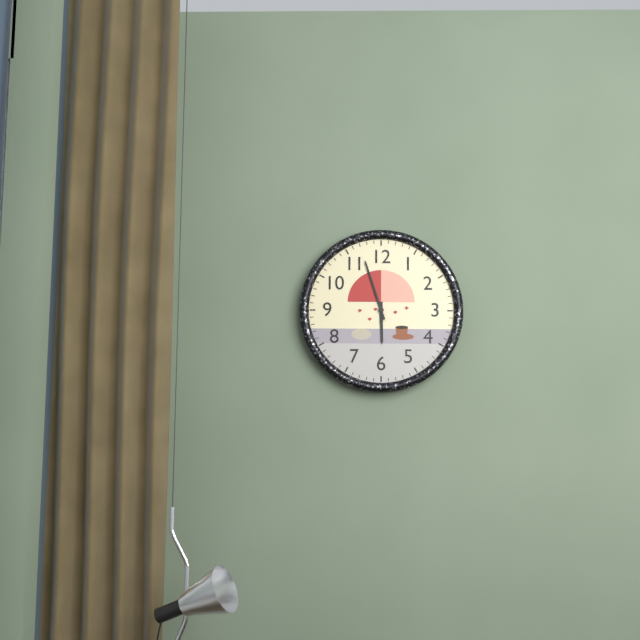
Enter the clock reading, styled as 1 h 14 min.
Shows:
5 h 57 min
